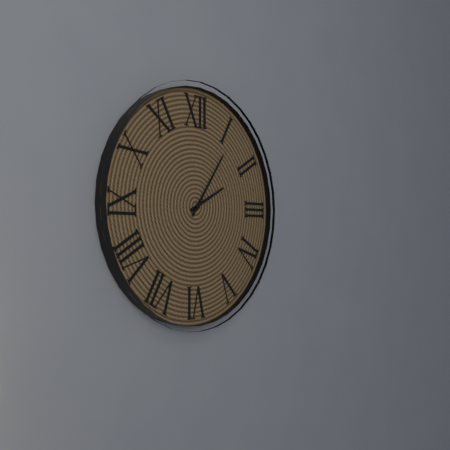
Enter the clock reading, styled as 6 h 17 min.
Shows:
2 h 06 min
